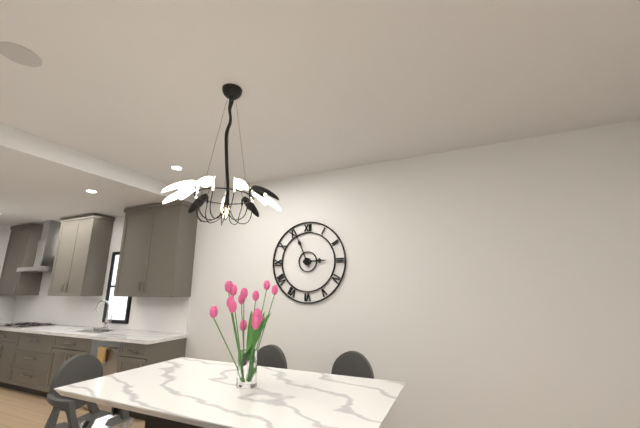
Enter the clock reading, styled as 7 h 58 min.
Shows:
2 h 56 min
